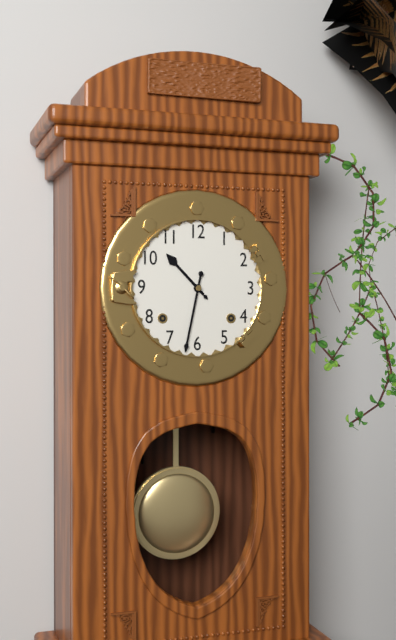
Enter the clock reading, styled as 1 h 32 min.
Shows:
10 h 32 min
